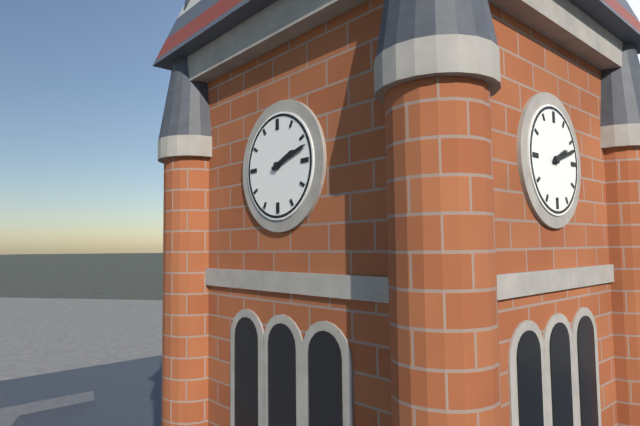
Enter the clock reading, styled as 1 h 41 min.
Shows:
2 h 12 min
